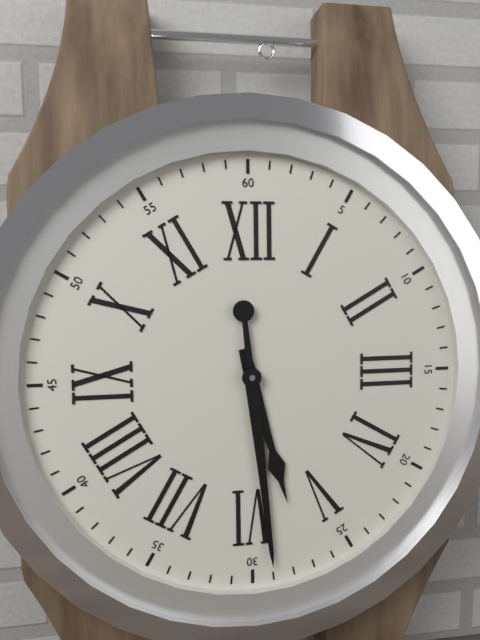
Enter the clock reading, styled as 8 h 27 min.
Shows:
5 h 29 min
